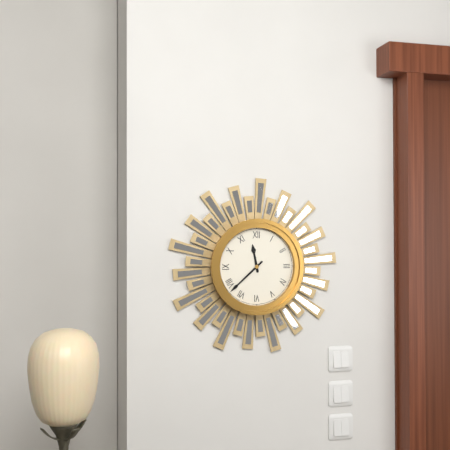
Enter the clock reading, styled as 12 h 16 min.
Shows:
11 h 38 min
